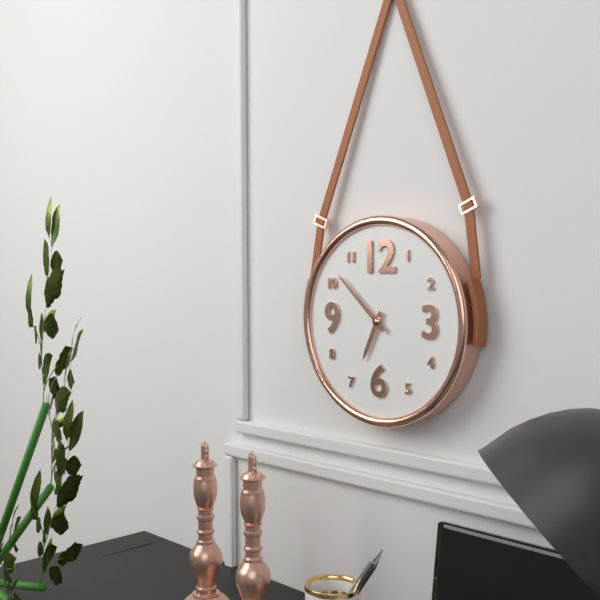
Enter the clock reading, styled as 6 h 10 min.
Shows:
6 h 52 min
